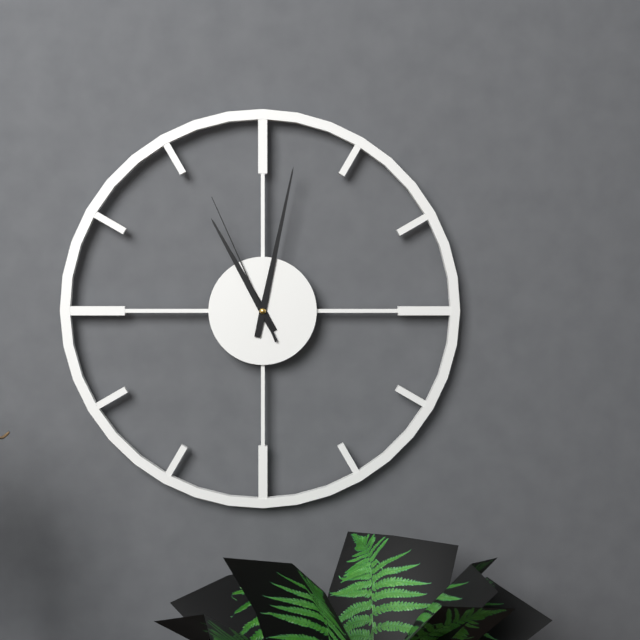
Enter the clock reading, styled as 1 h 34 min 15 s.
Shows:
11 h 02 min 56 s
